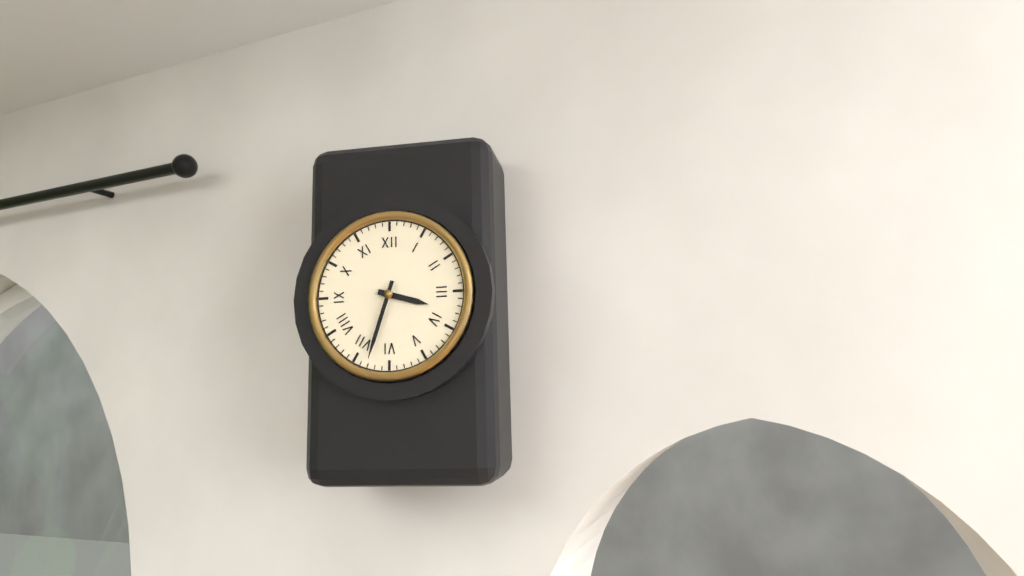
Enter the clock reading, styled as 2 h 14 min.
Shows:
3 h 33 min
